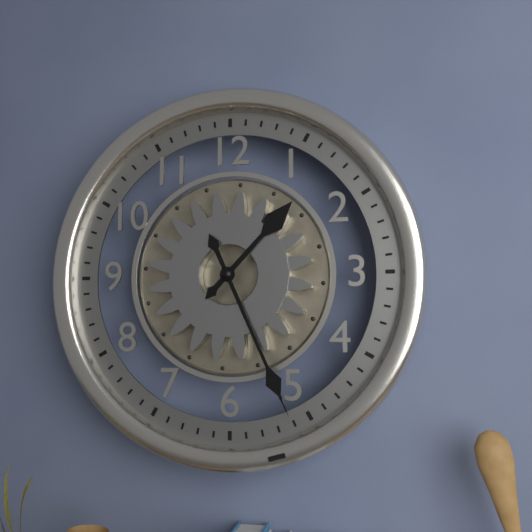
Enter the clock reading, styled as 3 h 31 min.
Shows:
1 h 26 min
